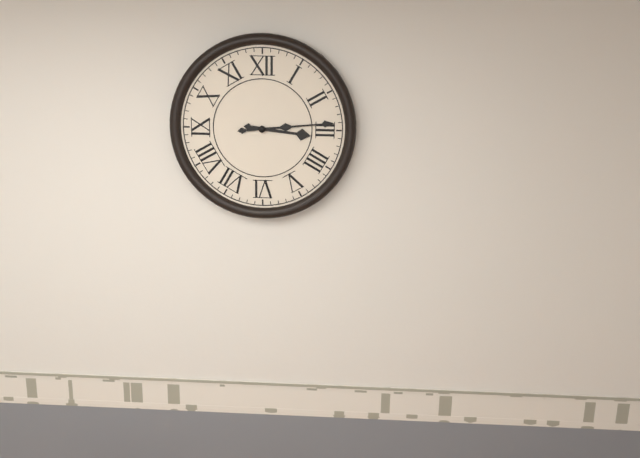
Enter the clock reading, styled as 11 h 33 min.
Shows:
3 h 14 min
